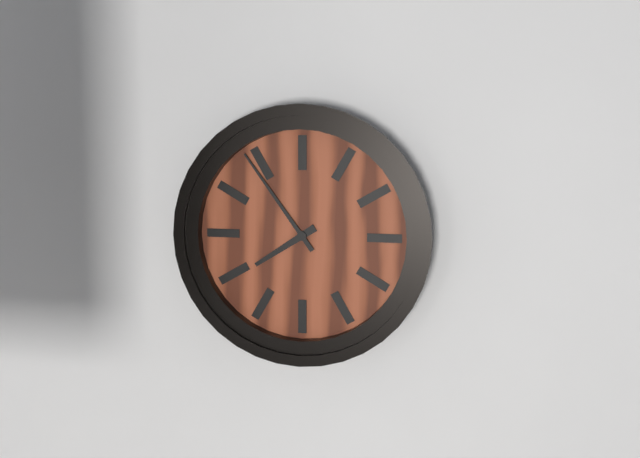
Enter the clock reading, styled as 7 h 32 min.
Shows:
7 h 54 min
